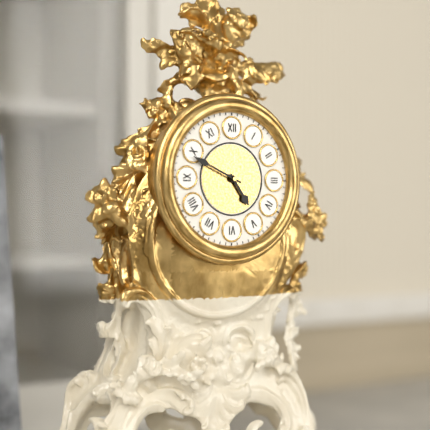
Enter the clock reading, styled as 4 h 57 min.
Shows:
4 h 49 min
